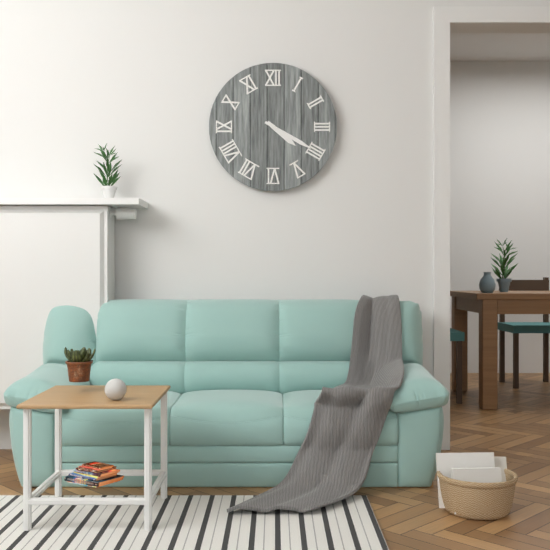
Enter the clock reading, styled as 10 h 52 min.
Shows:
4 h 20 min
